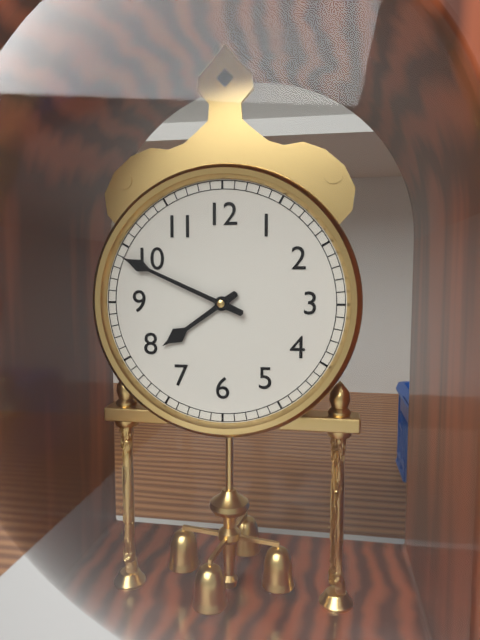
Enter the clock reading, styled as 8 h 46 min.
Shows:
7 h 49 min
